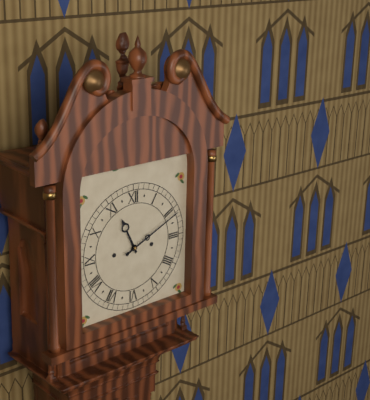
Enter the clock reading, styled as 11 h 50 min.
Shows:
11 h 11 min
